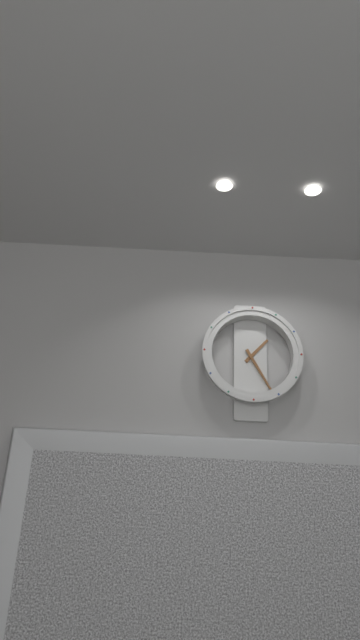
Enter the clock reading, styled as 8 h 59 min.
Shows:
1 h 25 min
